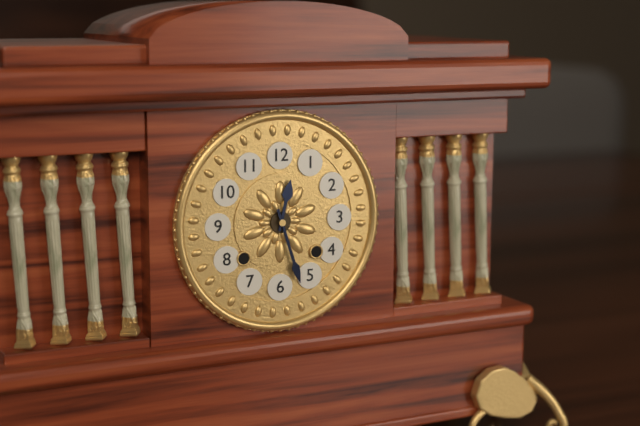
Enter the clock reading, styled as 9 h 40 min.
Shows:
12 h 27 min
